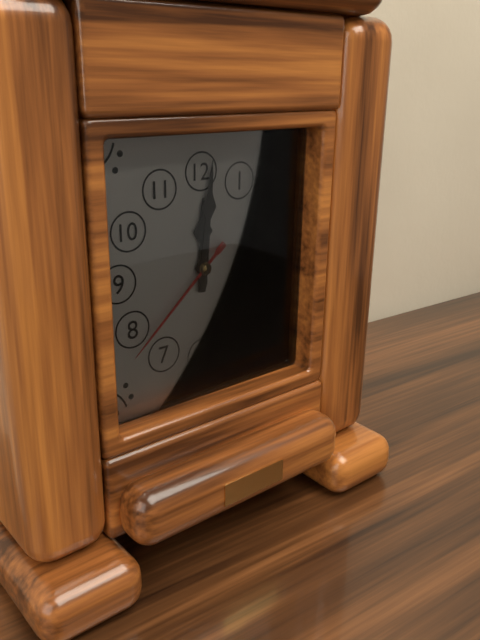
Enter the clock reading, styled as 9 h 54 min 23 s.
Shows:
12 h 01 min 38 s
